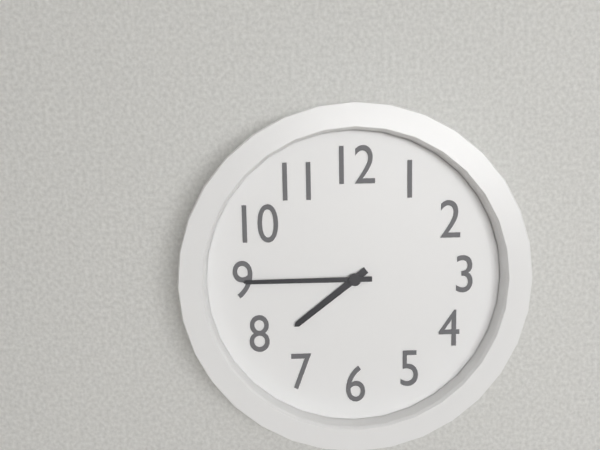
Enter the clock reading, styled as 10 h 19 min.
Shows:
7 h 45 min
